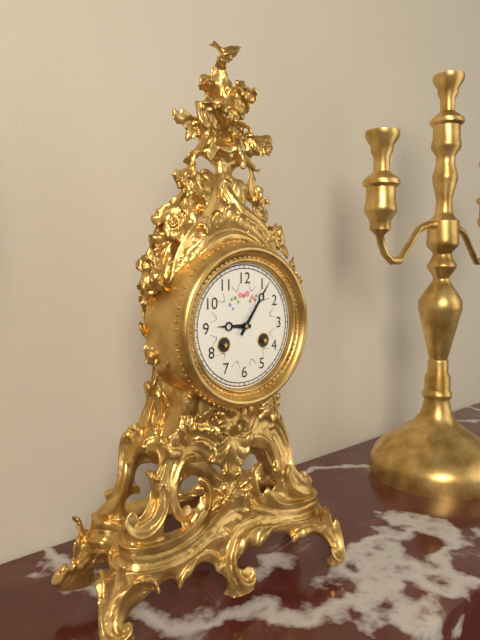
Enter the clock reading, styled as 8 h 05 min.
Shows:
9 h 06 min
